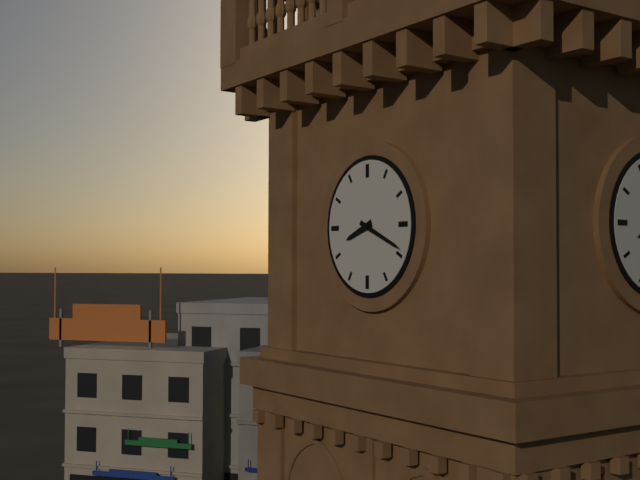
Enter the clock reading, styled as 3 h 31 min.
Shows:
8 h 19 min
